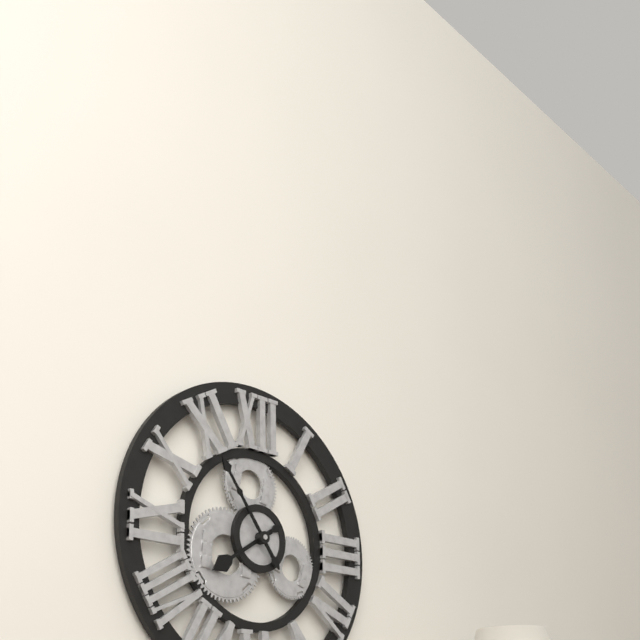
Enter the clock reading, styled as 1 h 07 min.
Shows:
7 h 54 min
